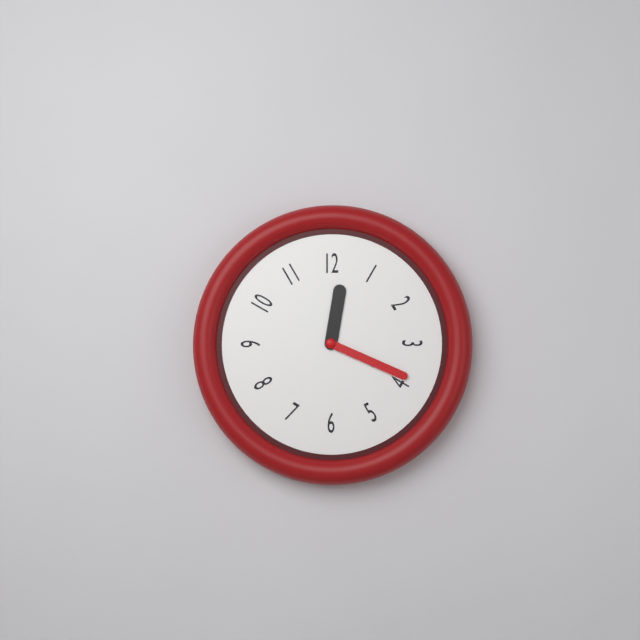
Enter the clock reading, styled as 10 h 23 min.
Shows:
12 h 19 min
